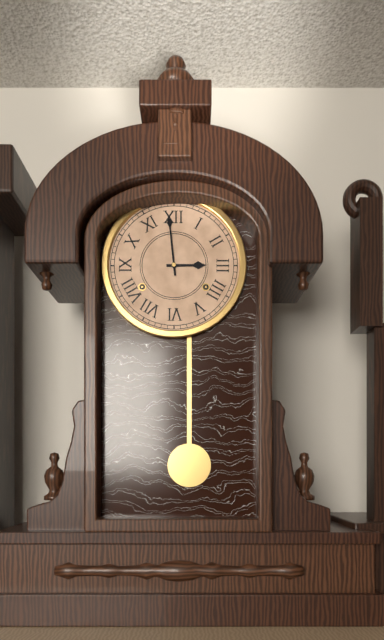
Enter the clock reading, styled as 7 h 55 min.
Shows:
2 h 59 min
